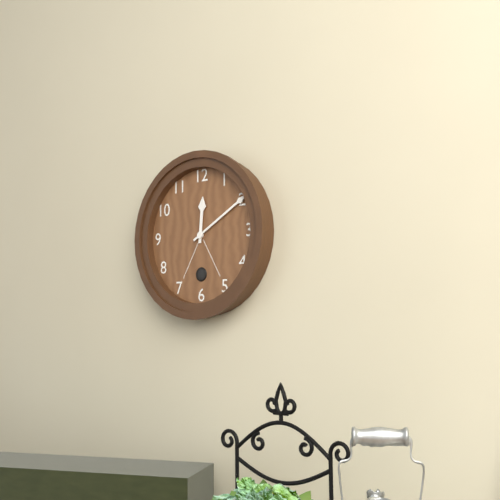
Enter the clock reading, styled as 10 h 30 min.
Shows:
12 h 10 min
